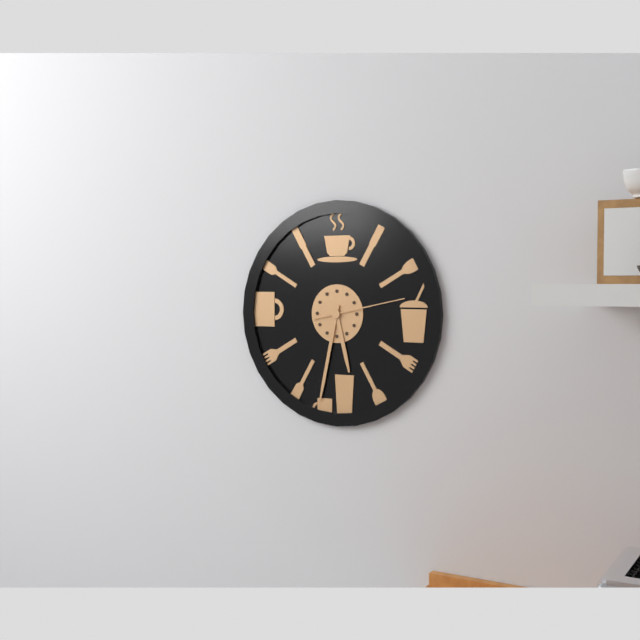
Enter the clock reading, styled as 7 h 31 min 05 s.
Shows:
5 h 32 min 13 s
